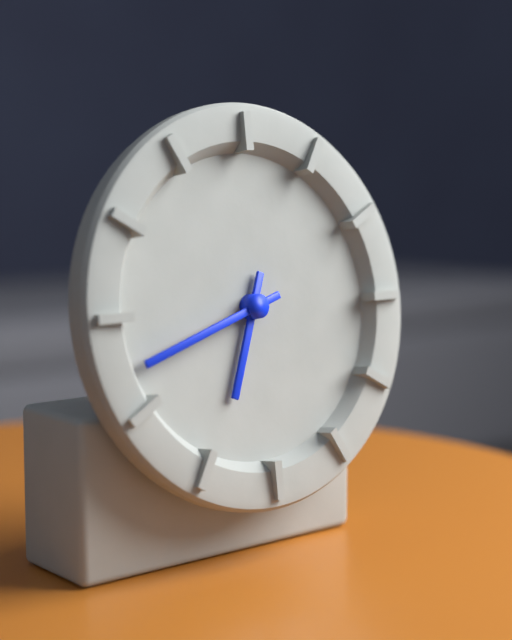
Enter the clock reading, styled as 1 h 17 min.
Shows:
6 h 42 min
